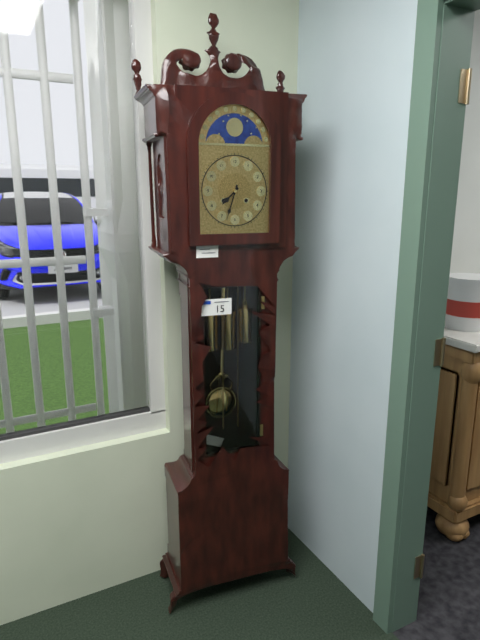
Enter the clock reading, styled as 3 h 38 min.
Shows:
7 h 33 min
